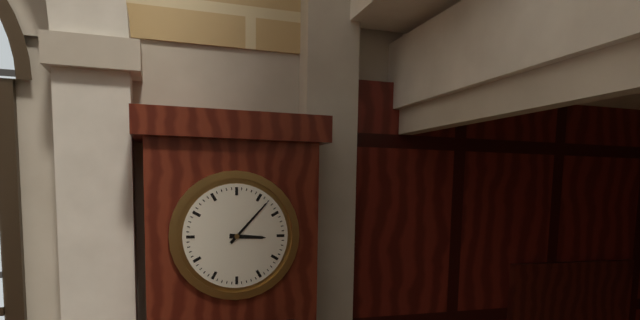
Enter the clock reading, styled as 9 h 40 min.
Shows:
3 h 07 min
